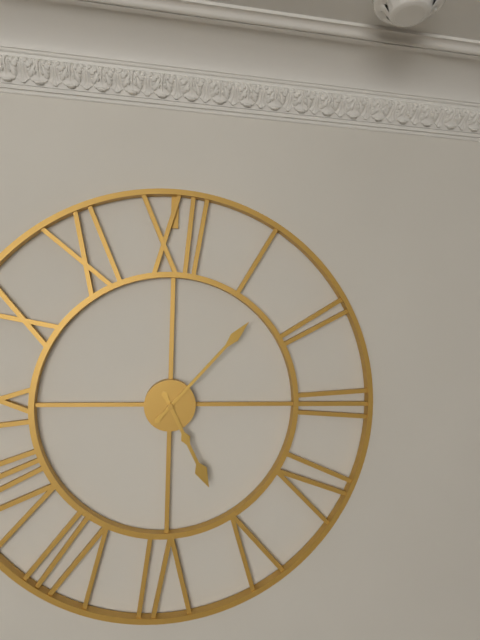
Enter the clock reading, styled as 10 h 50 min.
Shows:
5 h 07 min
